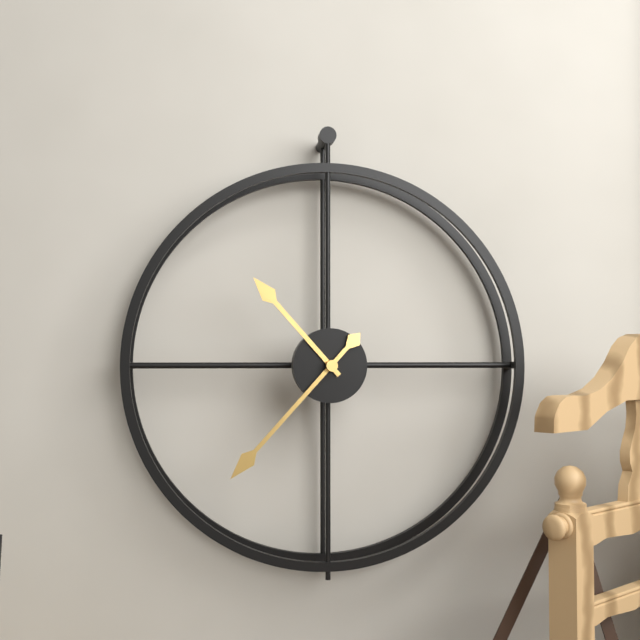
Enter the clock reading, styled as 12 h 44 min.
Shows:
10 h 37 min
